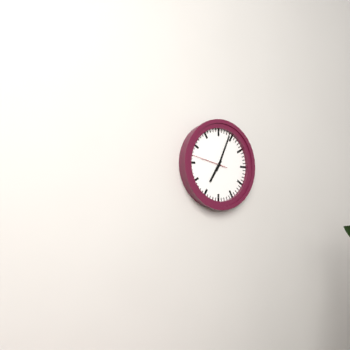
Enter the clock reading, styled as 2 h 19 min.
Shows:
7 h 04 min
